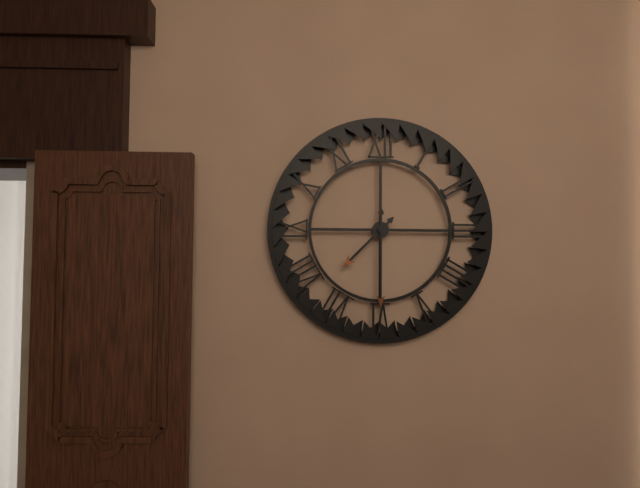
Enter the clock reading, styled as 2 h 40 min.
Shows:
7 h 30 min
